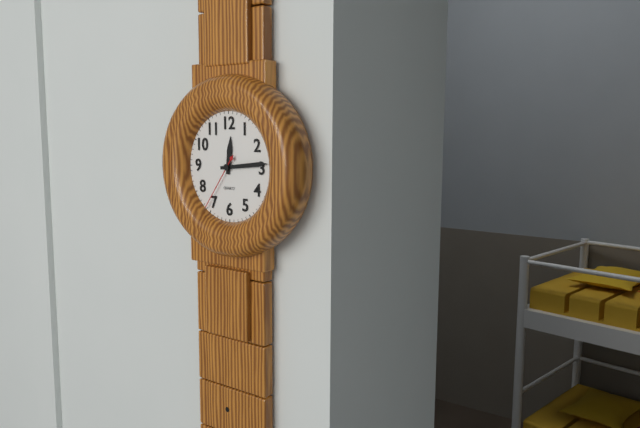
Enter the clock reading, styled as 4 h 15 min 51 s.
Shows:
12 h 14 min 36 s
